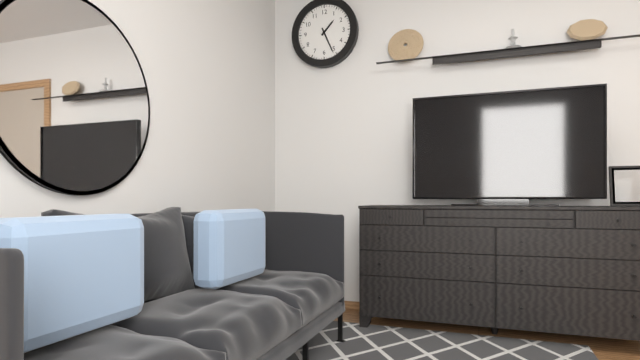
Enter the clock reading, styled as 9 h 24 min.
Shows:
1 h 26 min
